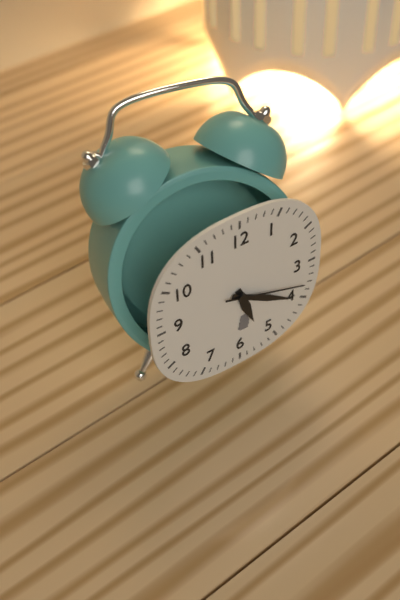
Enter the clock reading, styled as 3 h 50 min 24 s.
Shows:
5 h 20 min 18 s
